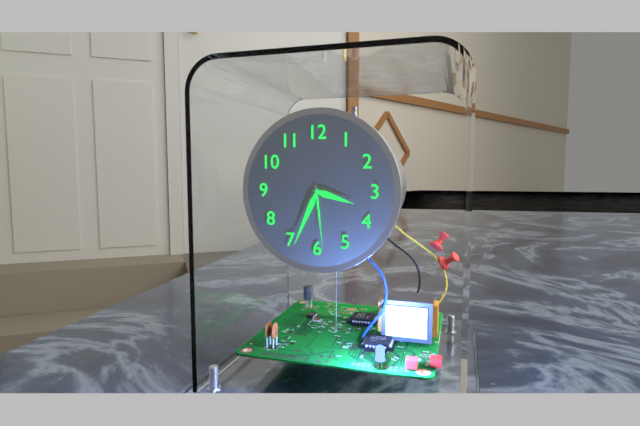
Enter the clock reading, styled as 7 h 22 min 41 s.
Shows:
3 h 34 min 29 s
